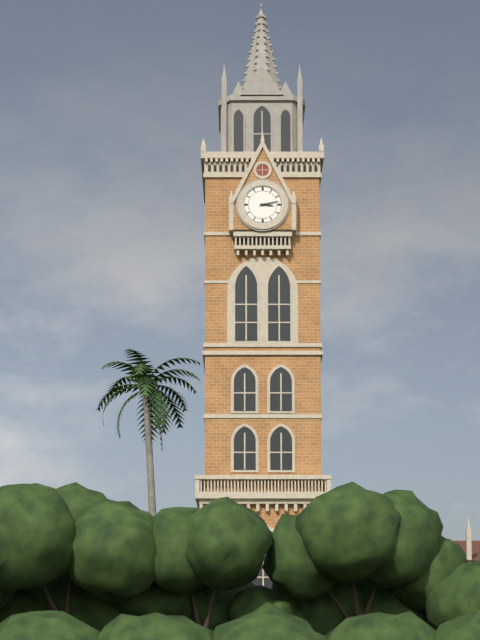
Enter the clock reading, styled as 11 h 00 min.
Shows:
3 h 13 min
